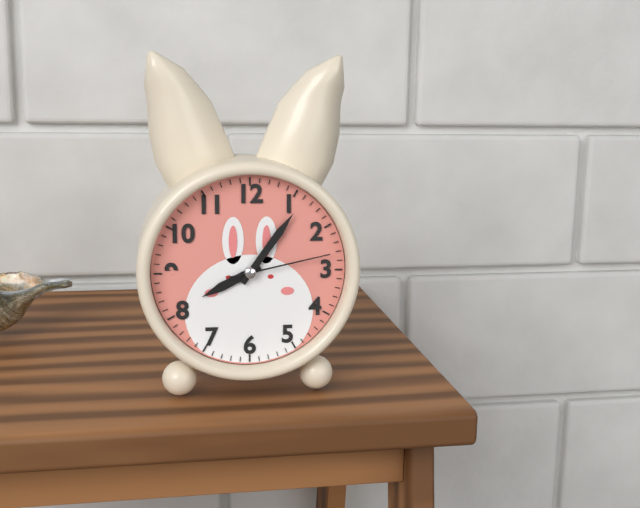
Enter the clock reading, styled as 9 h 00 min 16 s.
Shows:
8 h 06 min 13 s
